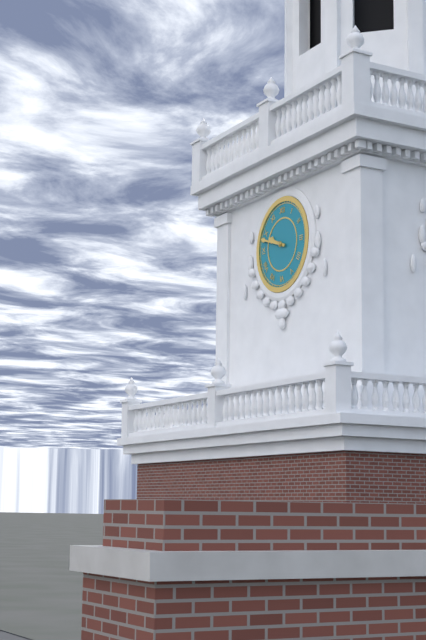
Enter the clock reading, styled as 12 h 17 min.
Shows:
9 h 48 min
